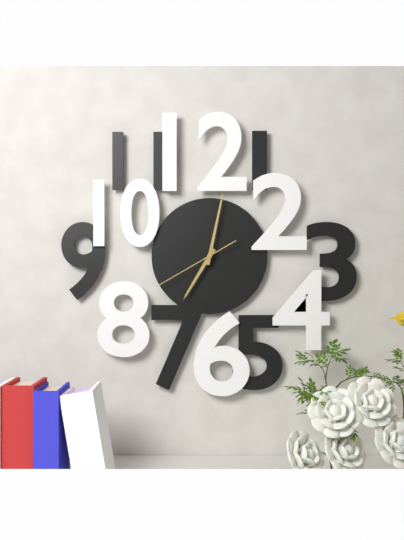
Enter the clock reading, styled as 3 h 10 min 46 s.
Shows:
7 h 02 min 40 s
